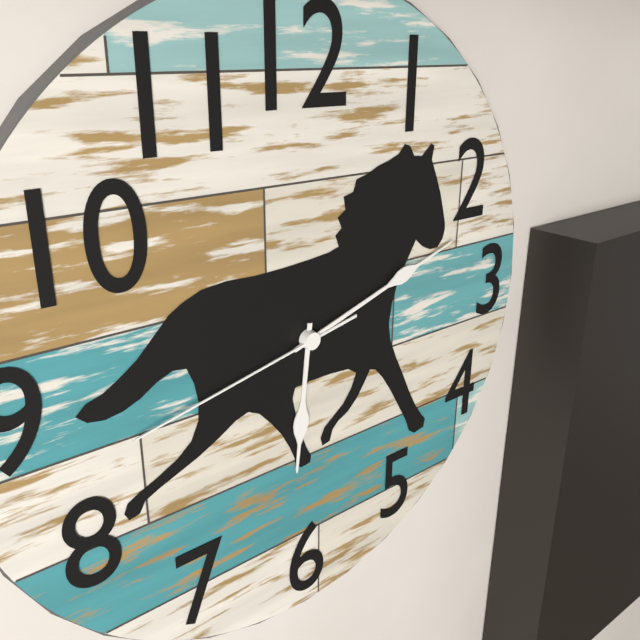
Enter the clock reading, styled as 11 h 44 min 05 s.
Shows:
6 h 12 min 43 s
